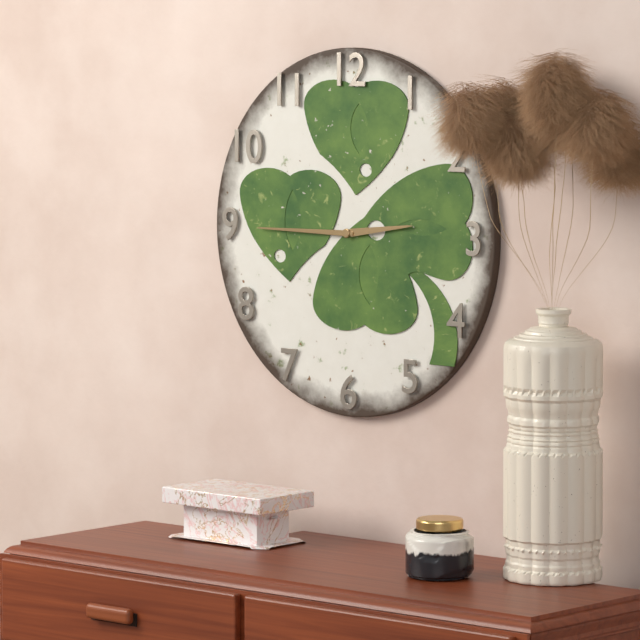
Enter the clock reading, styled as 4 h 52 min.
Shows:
2 h 45 min
